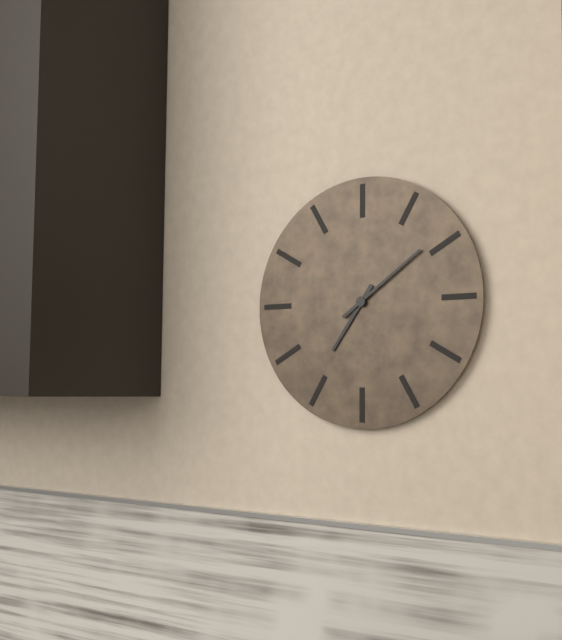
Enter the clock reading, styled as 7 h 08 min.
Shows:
7 h 09 min
